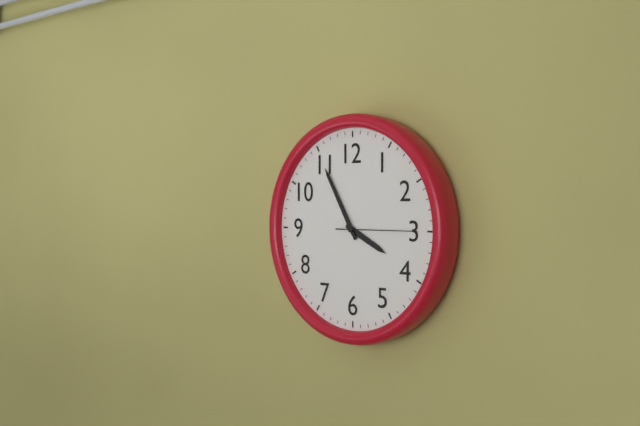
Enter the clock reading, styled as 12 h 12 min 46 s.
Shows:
3 h 55 min 15 s
